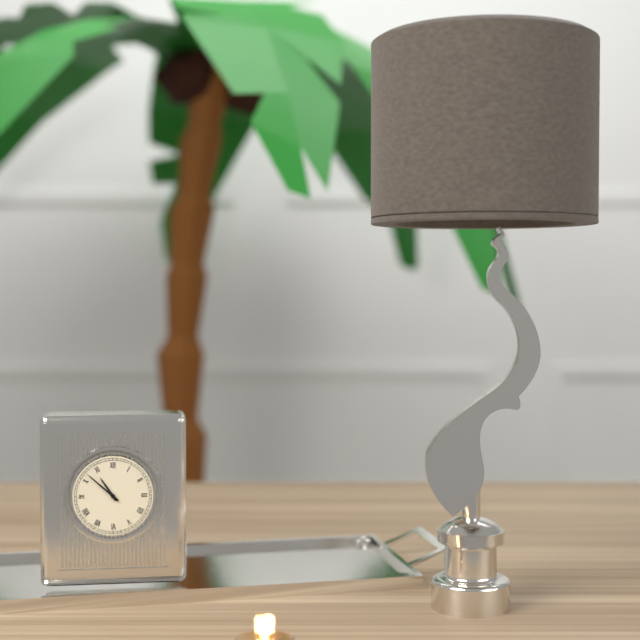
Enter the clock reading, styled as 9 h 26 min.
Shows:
10 h 52 min
